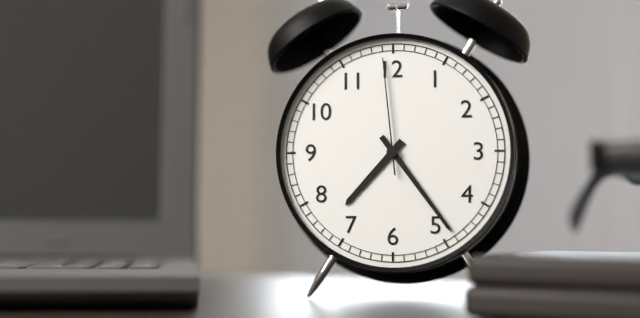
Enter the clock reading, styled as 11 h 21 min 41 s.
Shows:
7 h 24 min 59 s
